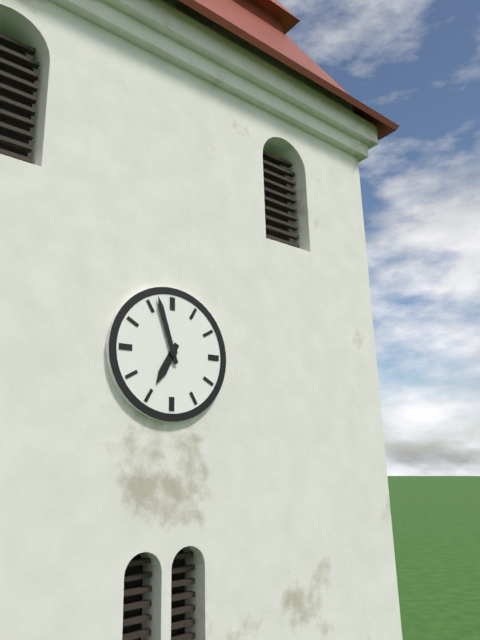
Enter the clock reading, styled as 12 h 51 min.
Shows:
6 h 57 min
